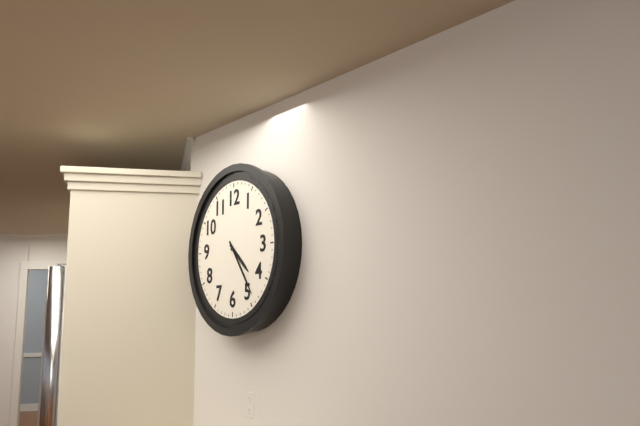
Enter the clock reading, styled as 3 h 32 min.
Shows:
4 h 24 min
